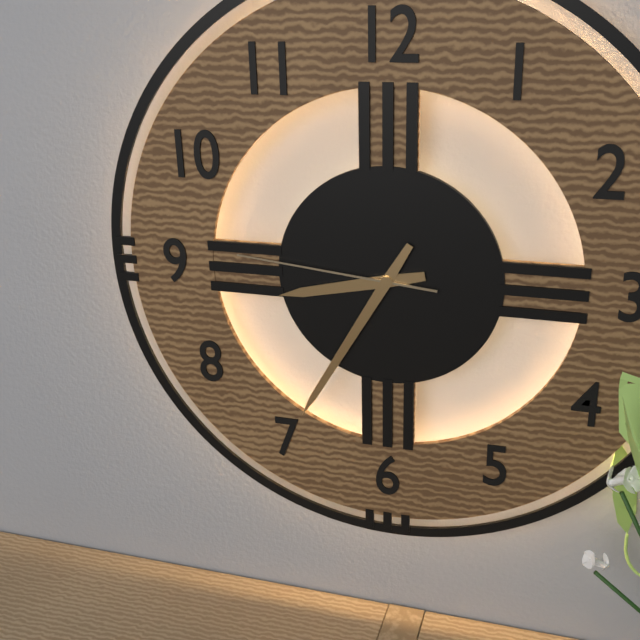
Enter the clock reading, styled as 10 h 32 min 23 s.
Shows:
8 h 35 min 46 s
